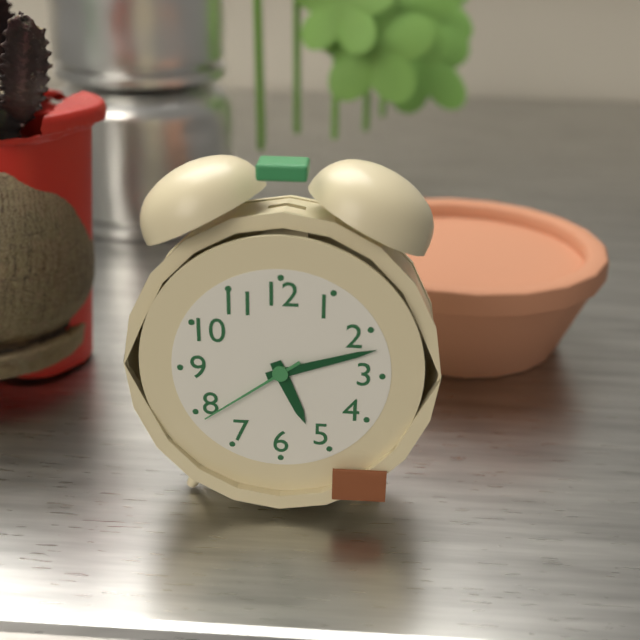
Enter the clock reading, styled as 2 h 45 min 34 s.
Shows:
5 h 12 min 39 s
